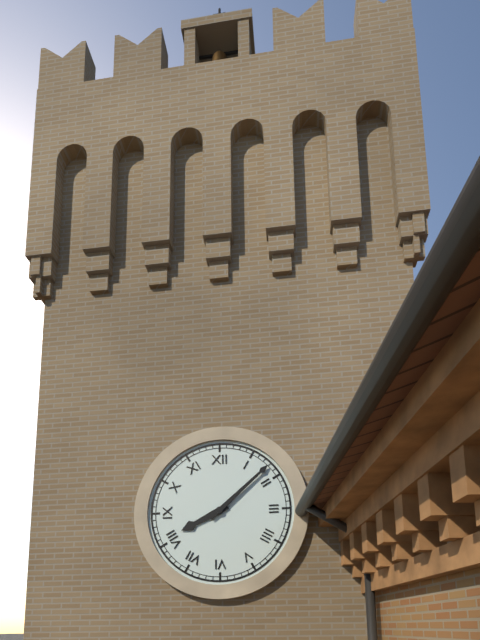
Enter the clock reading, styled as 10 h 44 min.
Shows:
8 h 08 min
